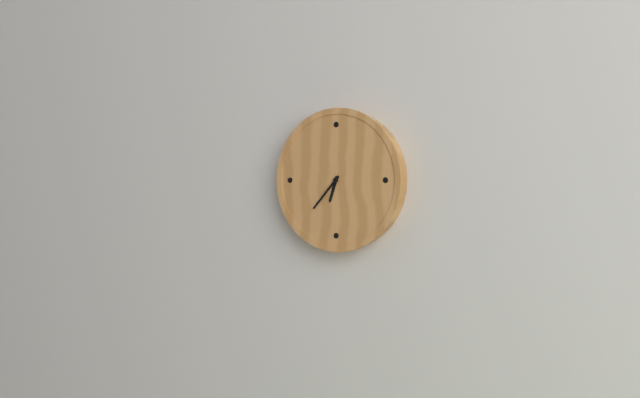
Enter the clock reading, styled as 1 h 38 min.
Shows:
6 h 37 min
